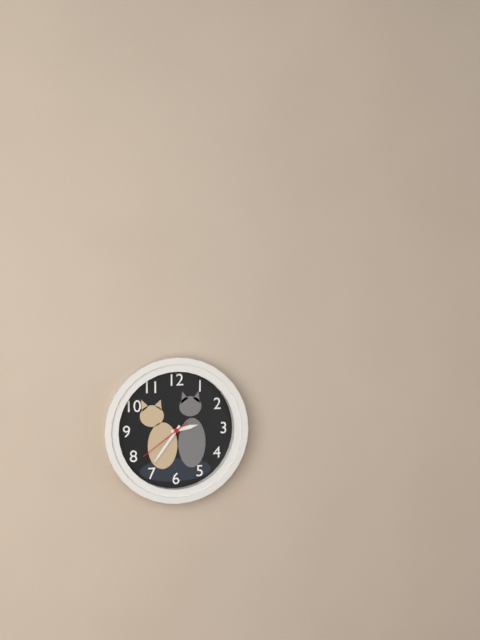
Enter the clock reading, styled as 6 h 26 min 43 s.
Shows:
2 h 36 min 39 s
